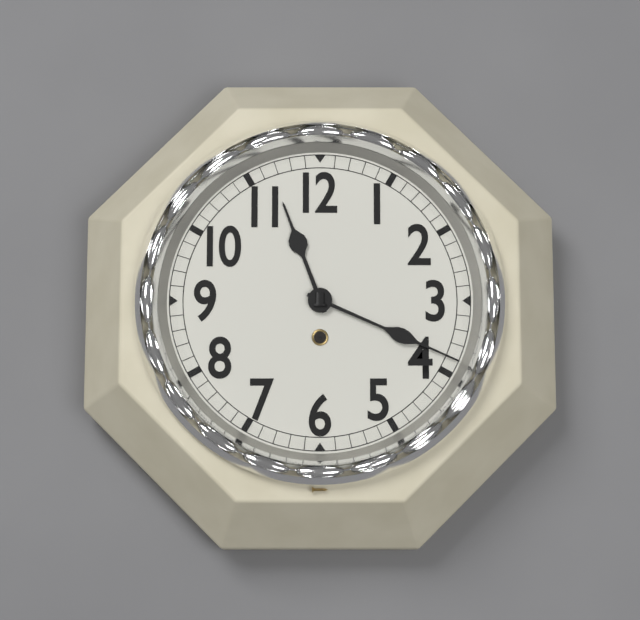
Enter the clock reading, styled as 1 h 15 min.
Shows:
11 h 19 min
